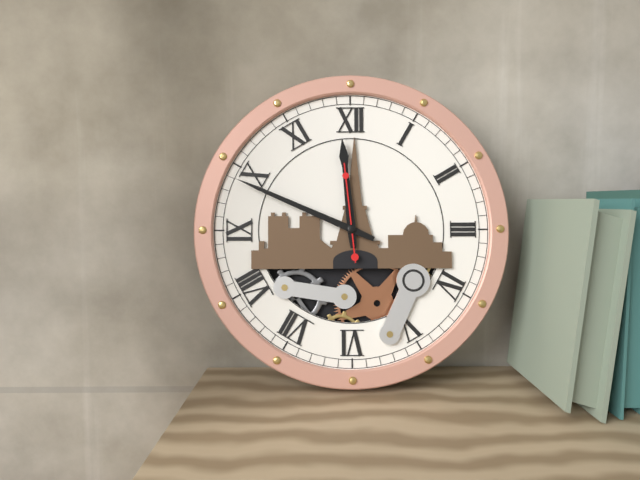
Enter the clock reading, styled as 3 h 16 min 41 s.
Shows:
11 h 49 min 59 s
